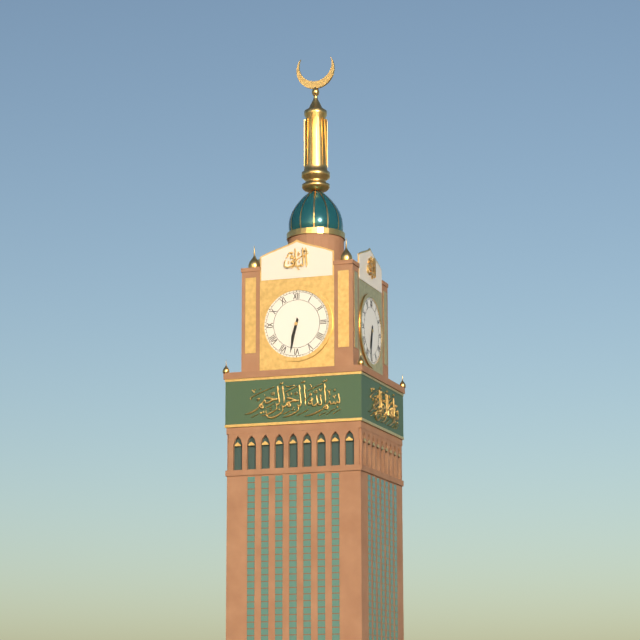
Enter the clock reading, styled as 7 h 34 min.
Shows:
6 h 32 min
